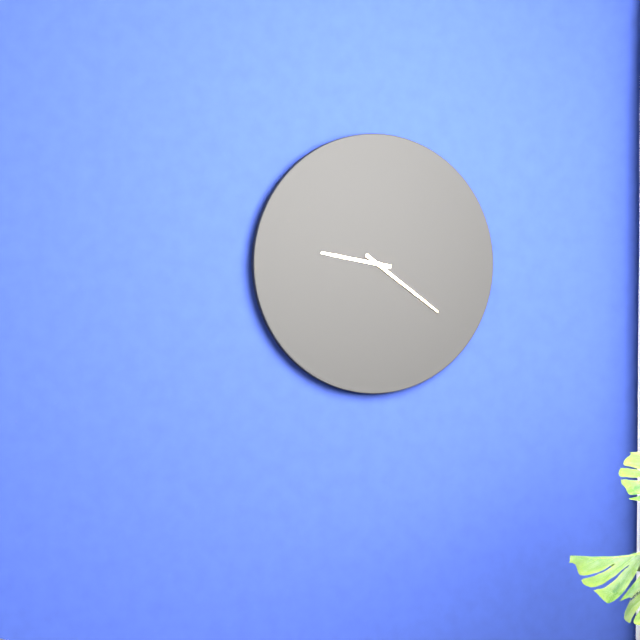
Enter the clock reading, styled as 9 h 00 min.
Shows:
9 h 21 min
